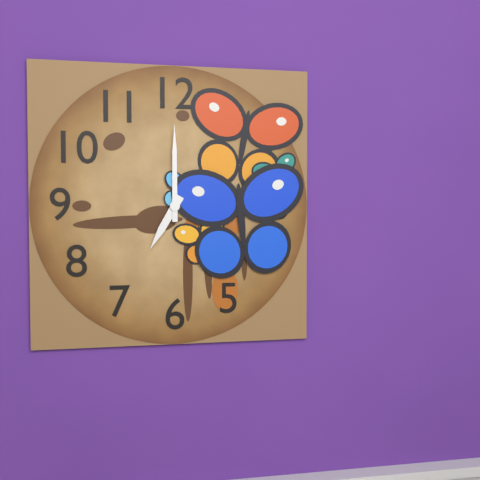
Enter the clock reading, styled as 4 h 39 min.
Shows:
7 h 00 min
